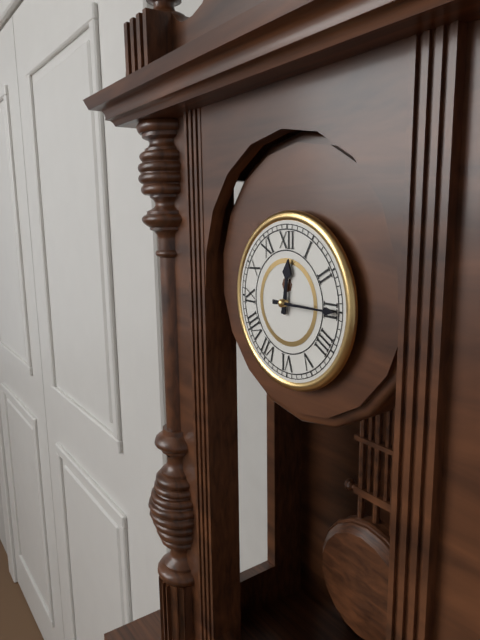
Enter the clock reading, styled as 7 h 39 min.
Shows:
12 h 15 min
